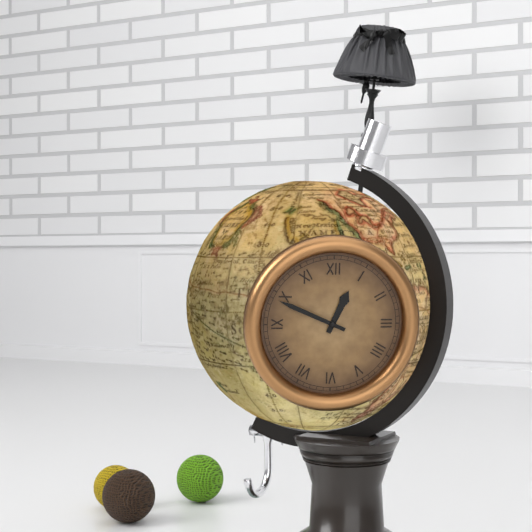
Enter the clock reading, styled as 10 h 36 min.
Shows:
12 h 49 min
